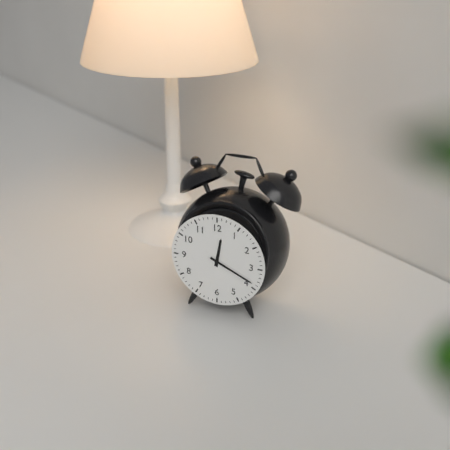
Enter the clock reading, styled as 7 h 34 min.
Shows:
12 h 19 min
